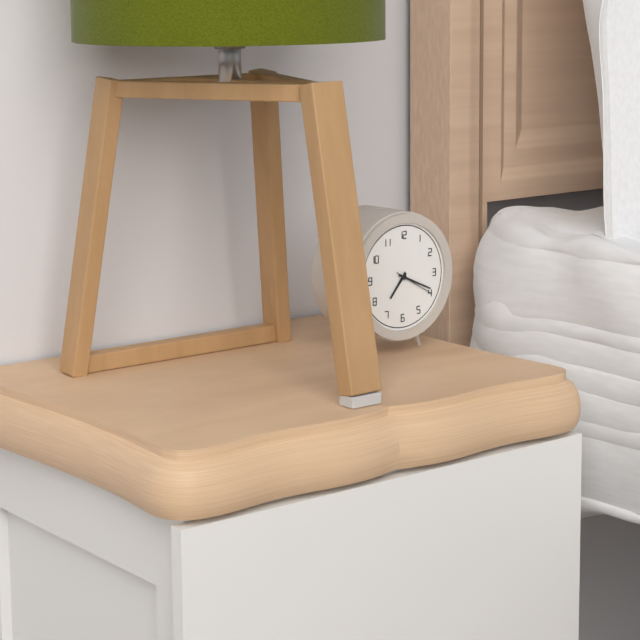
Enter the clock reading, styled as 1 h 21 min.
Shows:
7 h 19 min
